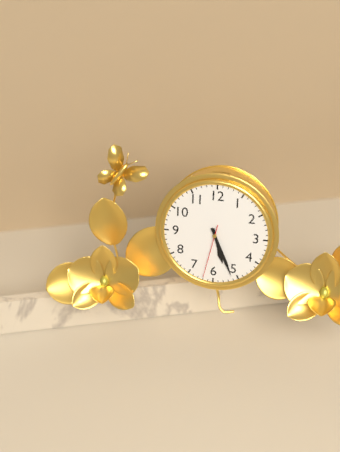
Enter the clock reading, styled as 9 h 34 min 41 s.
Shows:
5 h 26 min 32 s
